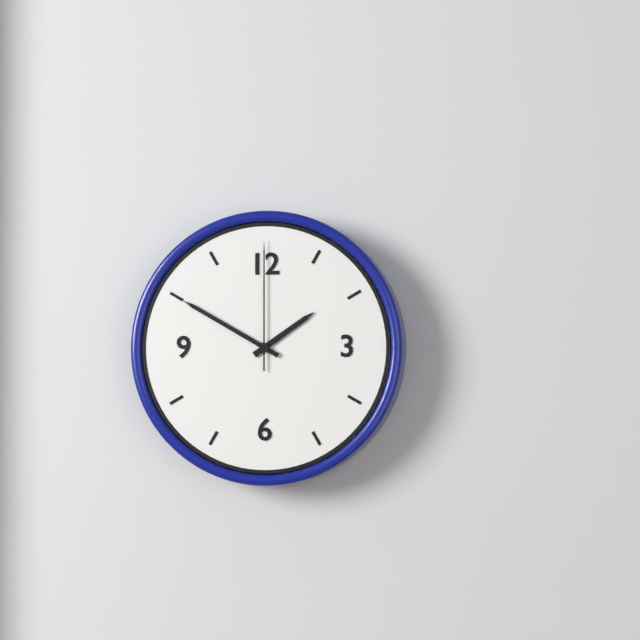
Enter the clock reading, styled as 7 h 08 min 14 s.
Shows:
1 h 50 min 00 s
